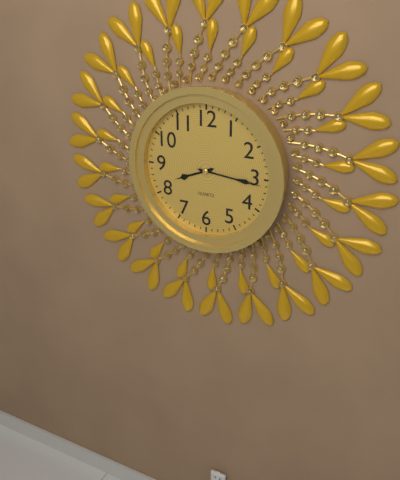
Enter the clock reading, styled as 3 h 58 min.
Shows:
8 h 16 min
